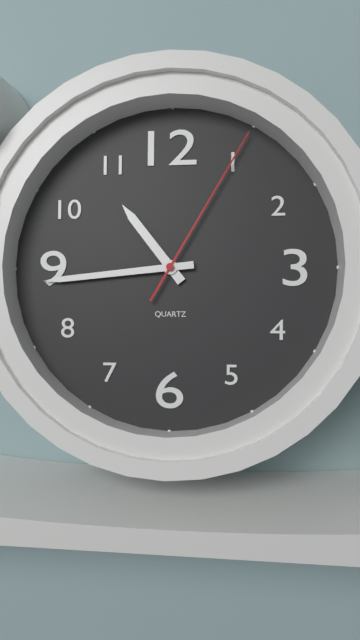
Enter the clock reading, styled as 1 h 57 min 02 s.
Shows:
10 h 44 min 05 s
